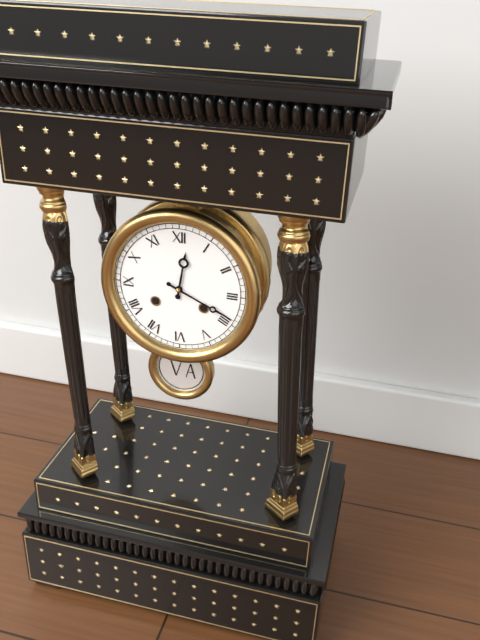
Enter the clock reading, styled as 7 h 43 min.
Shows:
12 h 19 min
